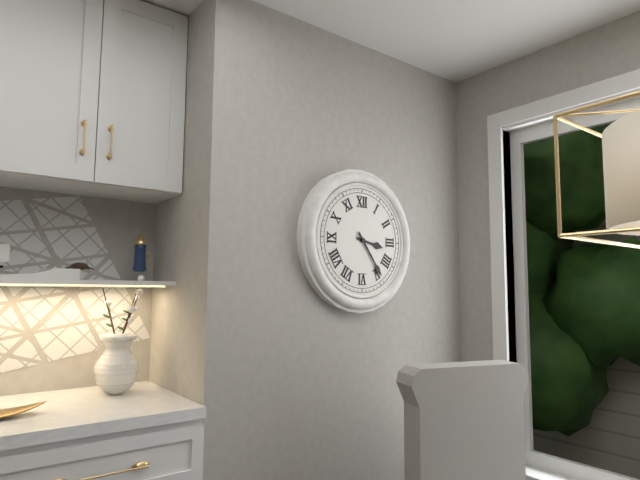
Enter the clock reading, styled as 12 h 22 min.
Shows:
3 h 24 min
